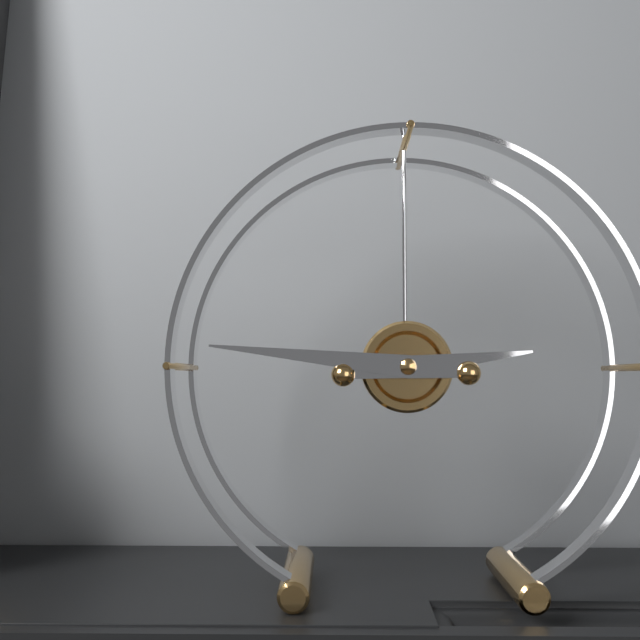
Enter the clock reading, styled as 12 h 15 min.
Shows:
2 h 46 min
